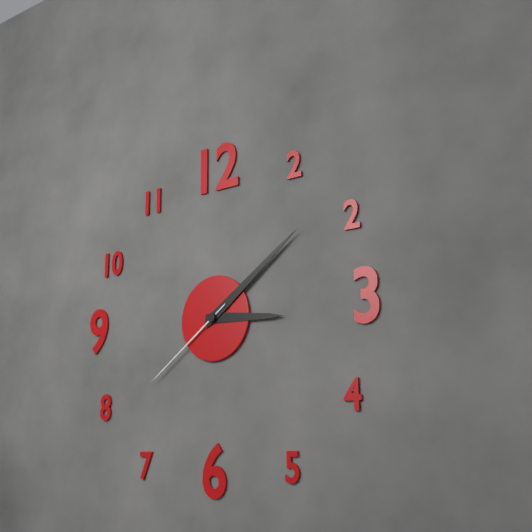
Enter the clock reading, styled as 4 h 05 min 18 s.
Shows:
3 h 09 min 39 s
